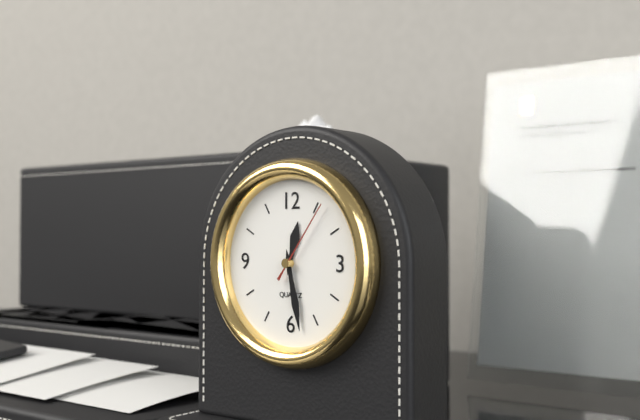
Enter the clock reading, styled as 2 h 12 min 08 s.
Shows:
12 h 28 min 06 s
